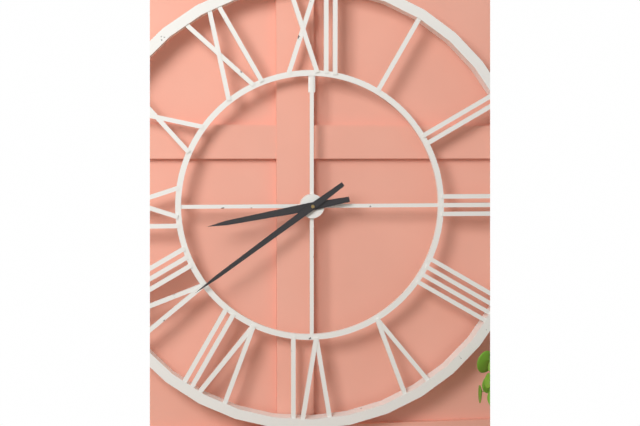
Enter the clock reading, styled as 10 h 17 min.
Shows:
8 h 39 min
